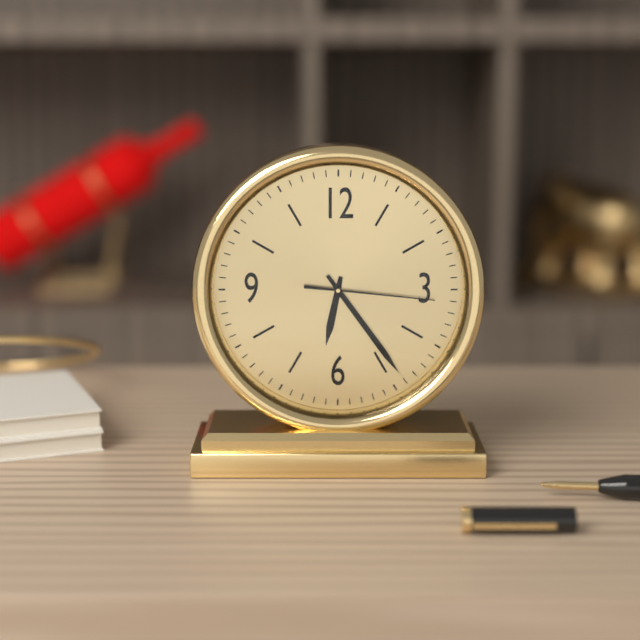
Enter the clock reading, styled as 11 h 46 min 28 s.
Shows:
6 h 24 min 16 s
